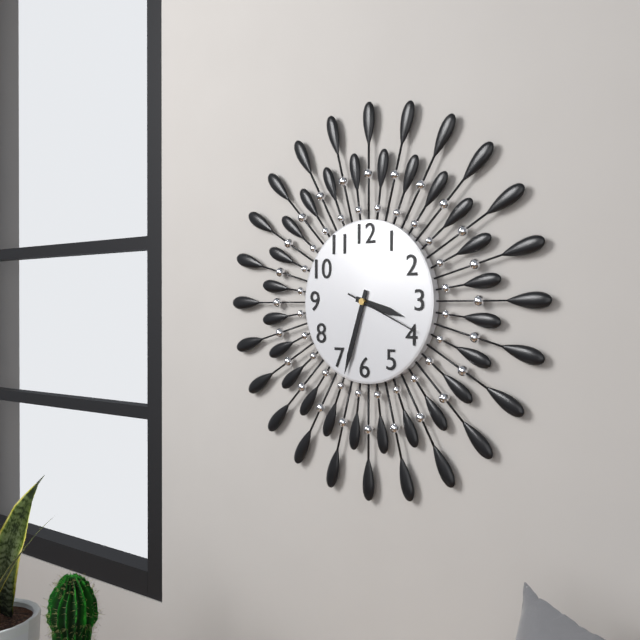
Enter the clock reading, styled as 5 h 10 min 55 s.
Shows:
3 h 33 min 19 s
